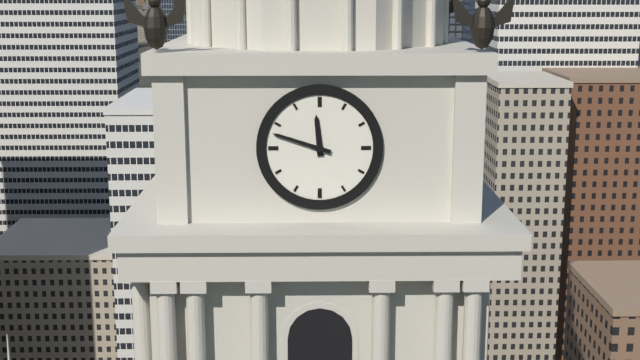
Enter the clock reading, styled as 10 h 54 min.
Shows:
11 h 48 min
